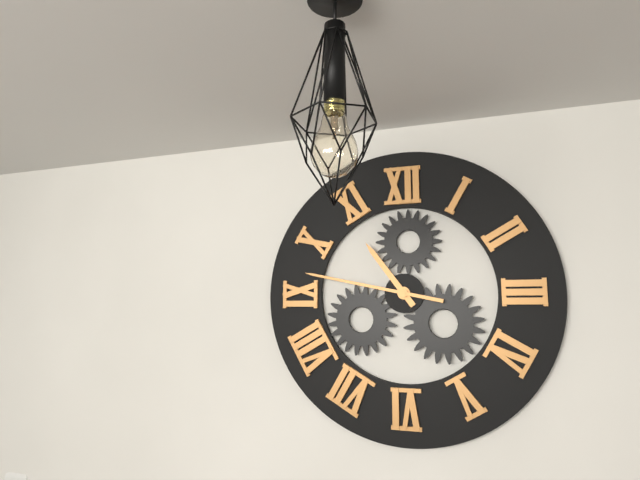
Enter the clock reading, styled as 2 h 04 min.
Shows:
10 h 47 min
